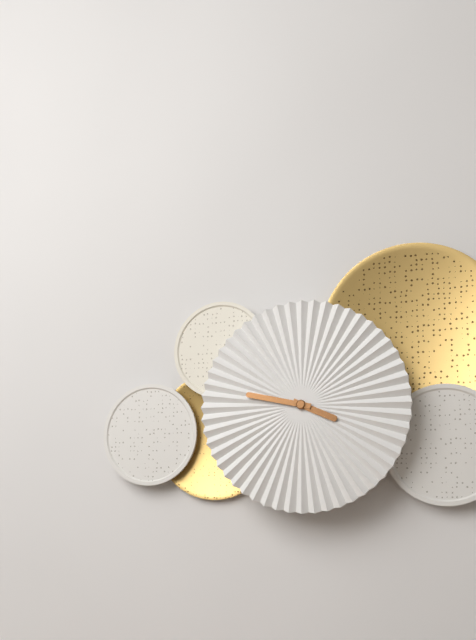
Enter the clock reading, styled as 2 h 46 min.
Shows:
3 h 47 min
